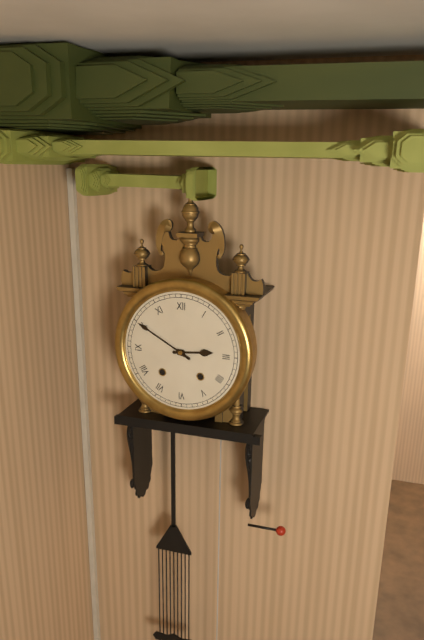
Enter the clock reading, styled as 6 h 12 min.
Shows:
2 h 50 min
